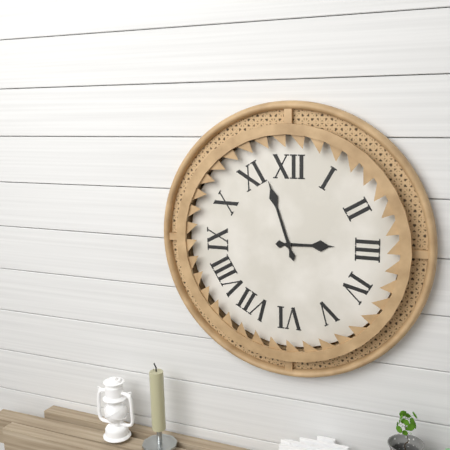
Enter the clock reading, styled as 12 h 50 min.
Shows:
2 h 57 min
